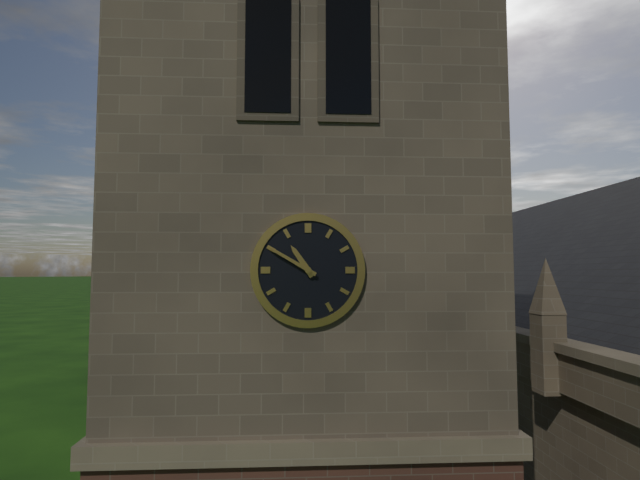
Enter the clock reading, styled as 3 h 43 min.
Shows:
10 h 50 min
